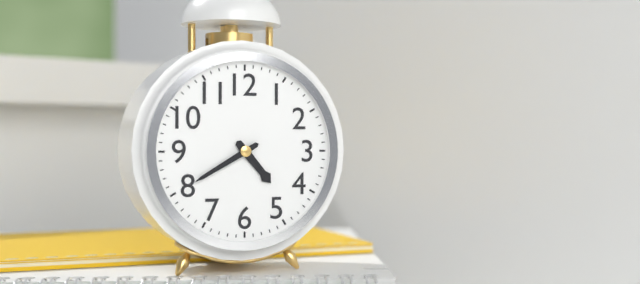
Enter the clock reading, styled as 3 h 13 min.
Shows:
4 h 40 min
